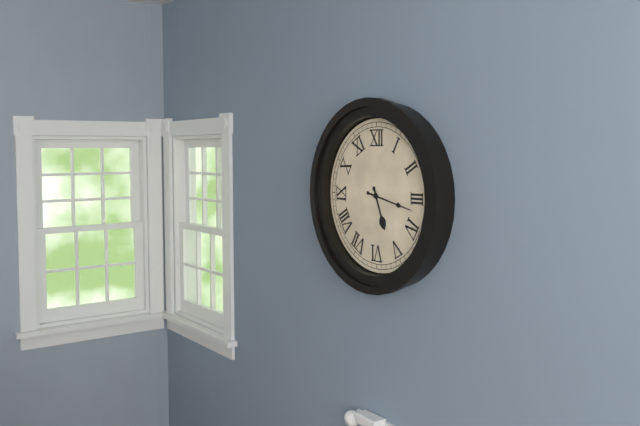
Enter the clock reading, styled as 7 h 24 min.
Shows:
5 h 17 min
